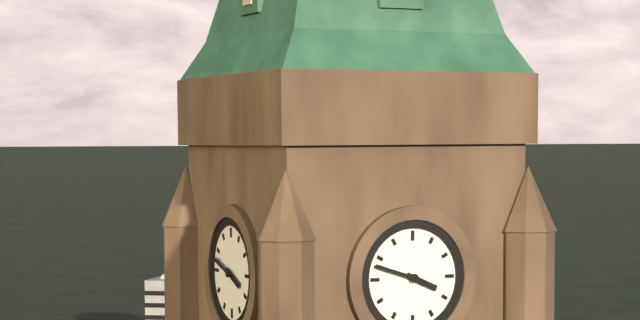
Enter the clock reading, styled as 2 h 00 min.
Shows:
3 h 48 min
